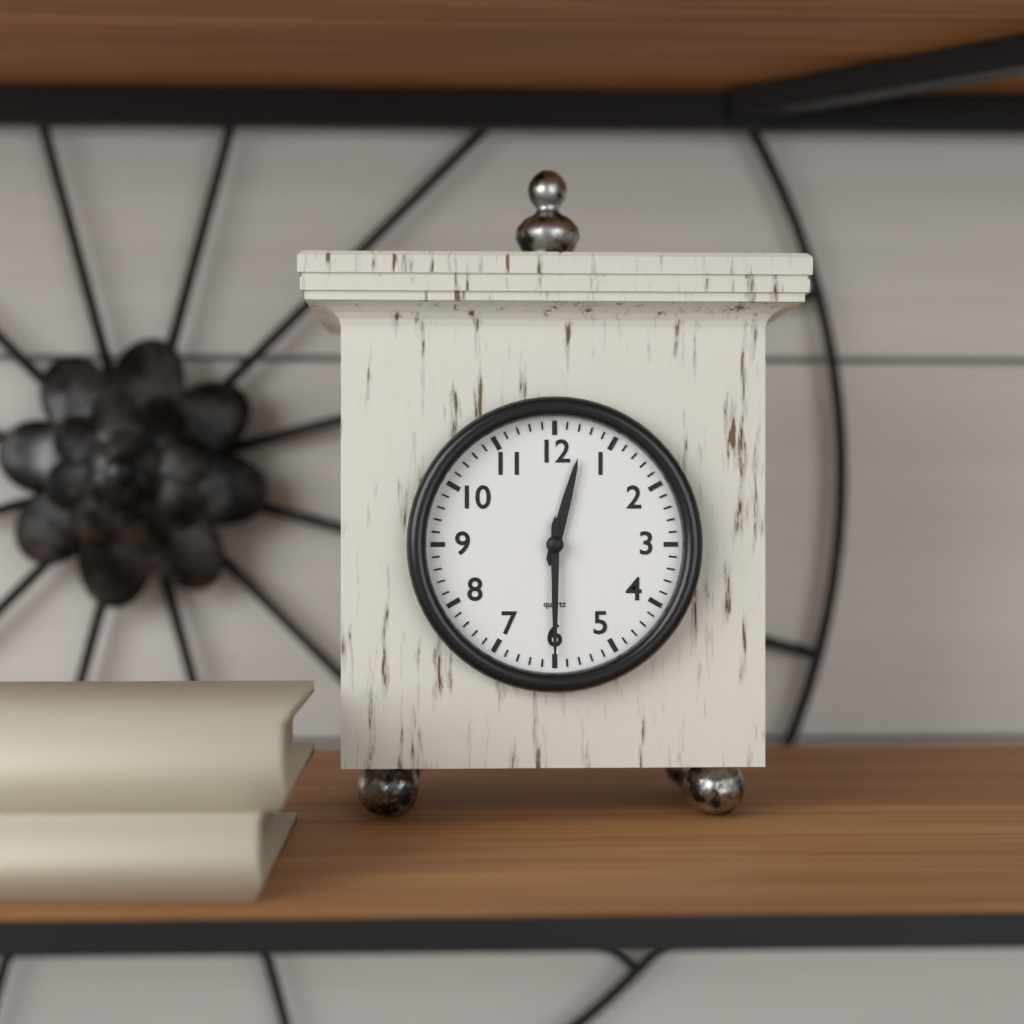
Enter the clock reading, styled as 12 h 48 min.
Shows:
12 h 30 min
